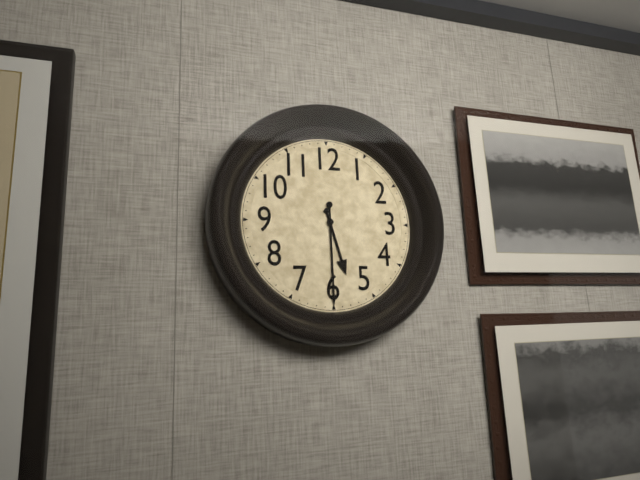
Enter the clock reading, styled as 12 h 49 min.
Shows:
5 h 30 min
